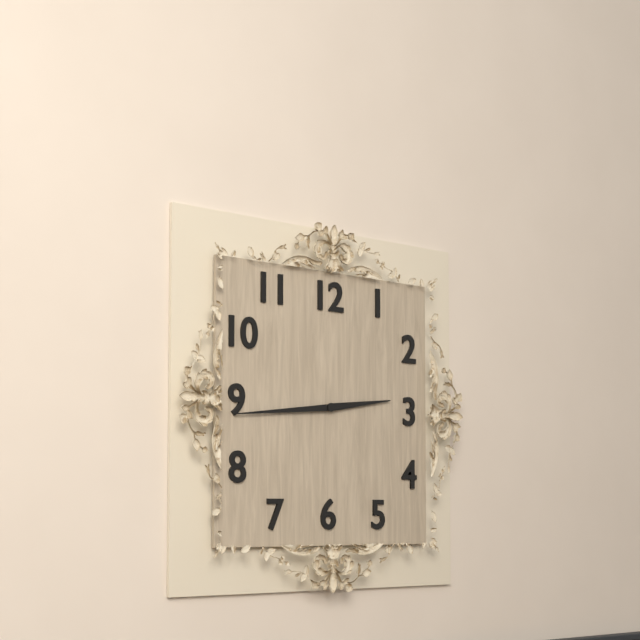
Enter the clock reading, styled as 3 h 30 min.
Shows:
2 h 44 min
